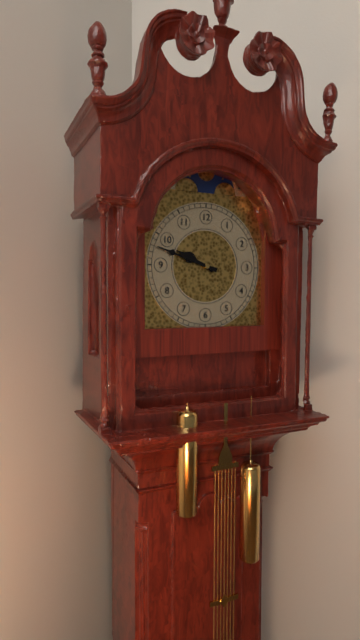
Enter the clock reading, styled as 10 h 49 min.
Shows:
9 h 48 min
